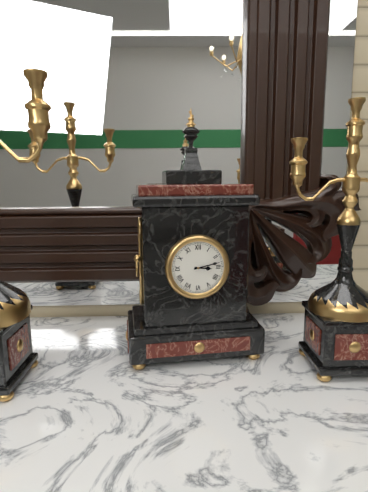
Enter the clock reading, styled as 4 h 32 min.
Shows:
3 h 13 min
